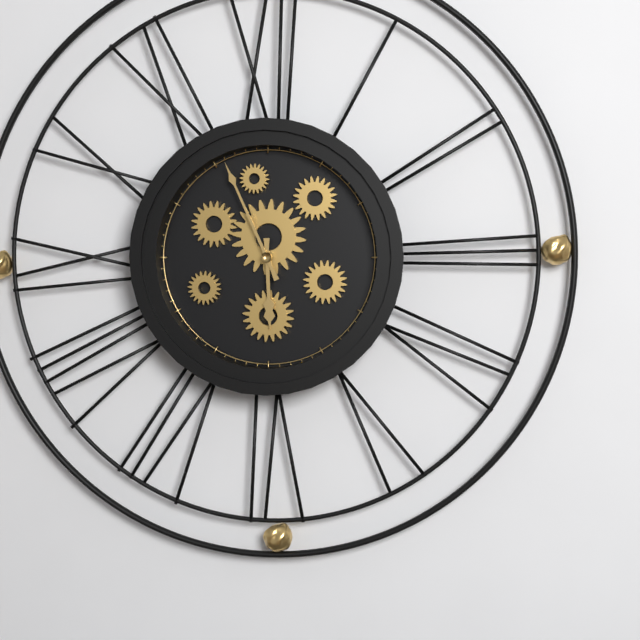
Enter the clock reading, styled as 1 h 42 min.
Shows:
5 h 56 min
